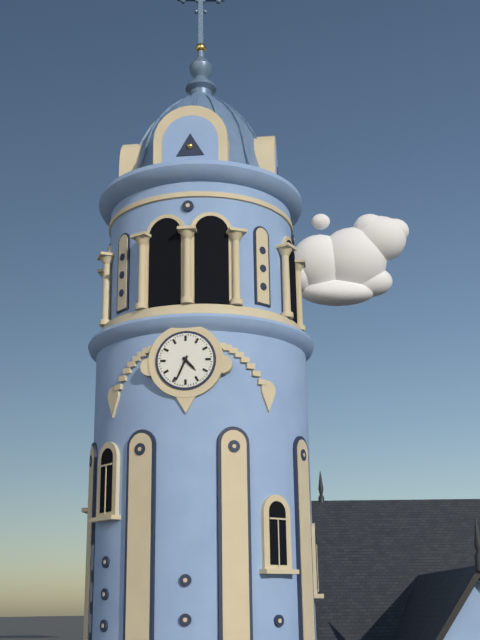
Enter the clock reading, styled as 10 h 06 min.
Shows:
4 h 34 min
